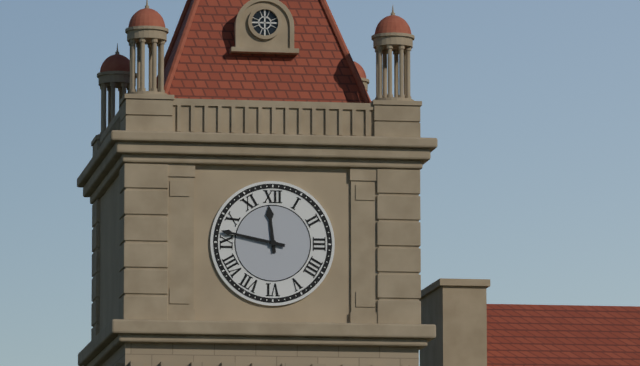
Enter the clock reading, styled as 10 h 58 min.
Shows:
11 h 47 min
